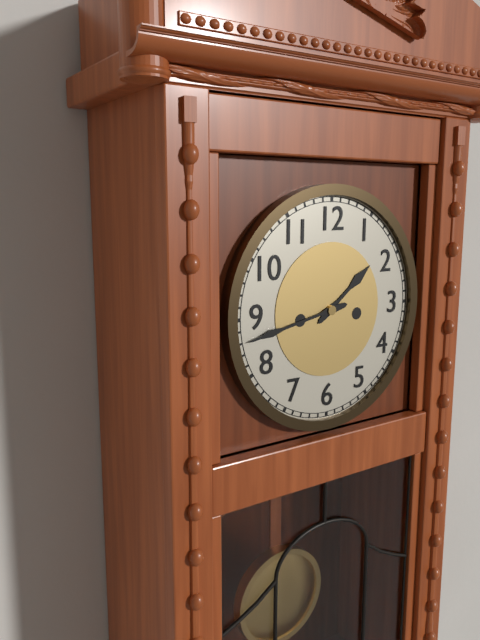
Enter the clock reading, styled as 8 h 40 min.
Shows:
1 h 43 min
